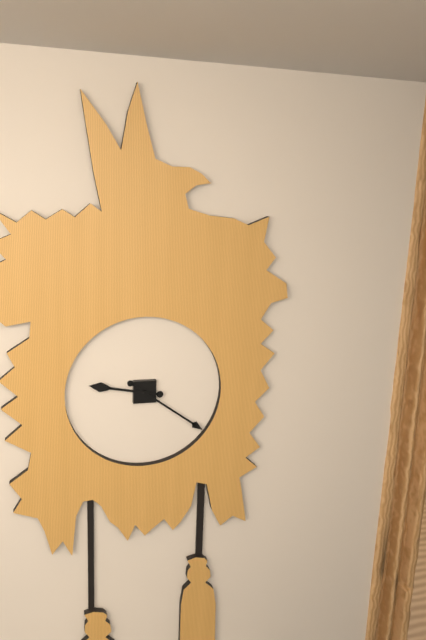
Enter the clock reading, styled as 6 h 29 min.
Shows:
9 h 21 min
